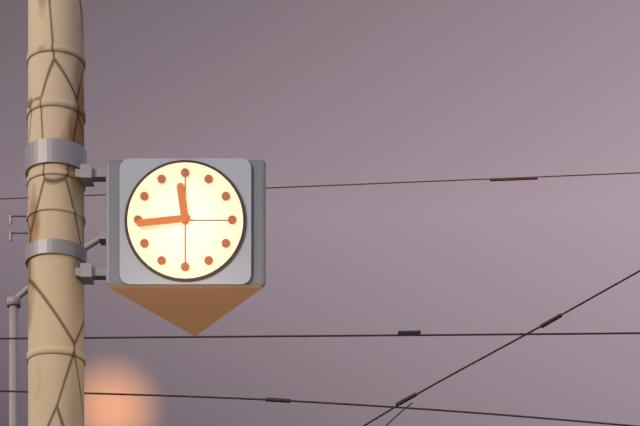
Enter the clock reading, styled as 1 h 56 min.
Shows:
11 h 44 min
